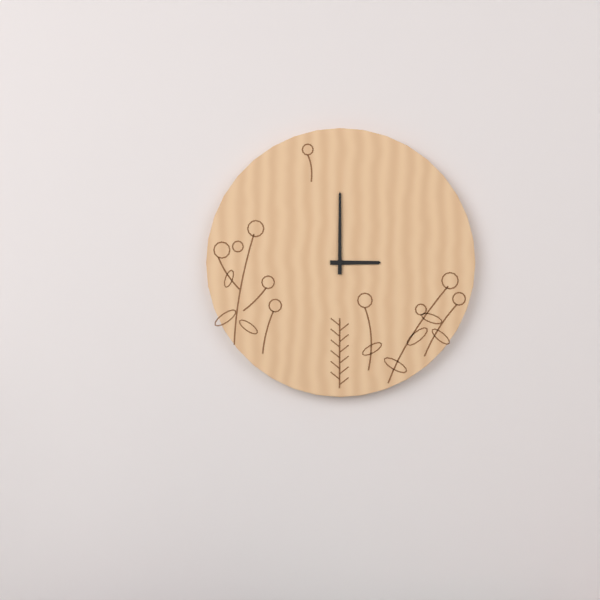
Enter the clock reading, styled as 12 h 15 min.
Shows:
3 h 00 min
